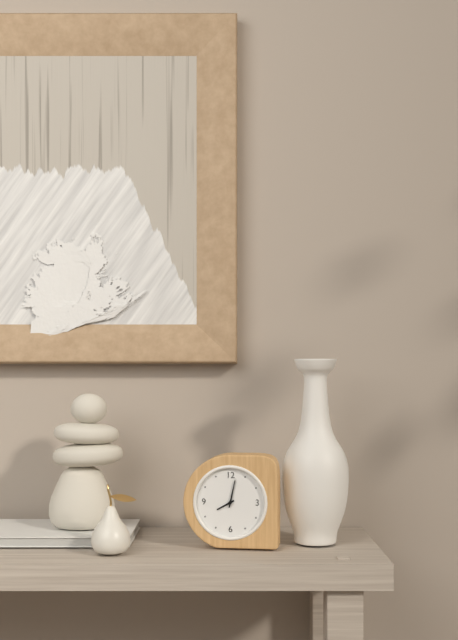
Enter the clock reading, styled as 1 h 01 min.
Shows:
8 h 02 min
